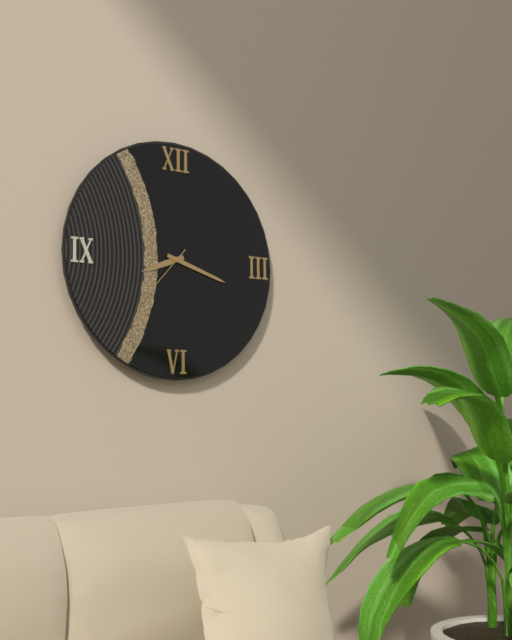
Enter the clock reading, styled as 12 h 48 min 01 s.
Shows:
8 h 18 min 37 s
